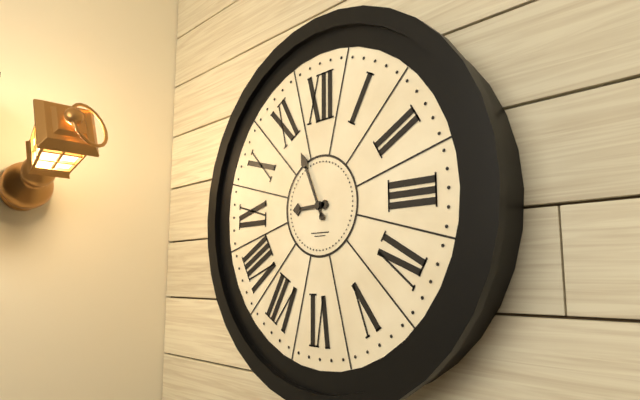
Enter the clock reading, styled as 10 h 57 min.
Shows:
8 h 56 min
